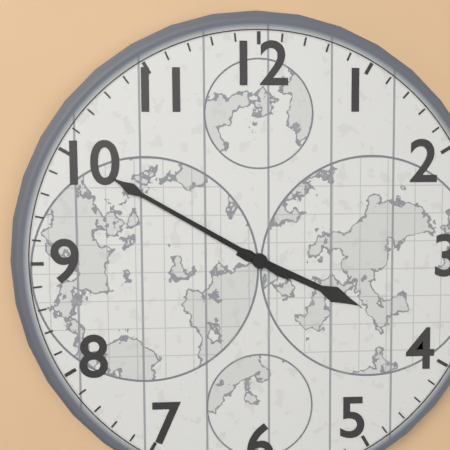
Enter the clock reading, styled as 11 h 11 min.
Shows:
3 h 50 min
